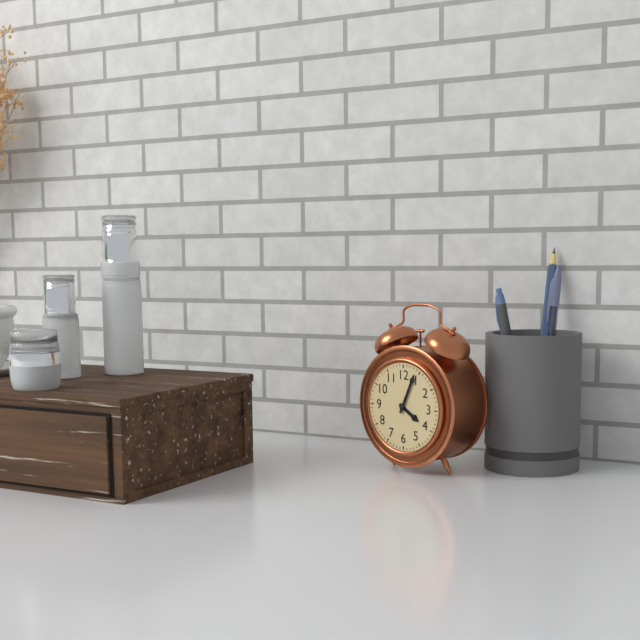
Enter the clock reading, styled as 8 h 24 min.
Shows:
4 h 04 min
